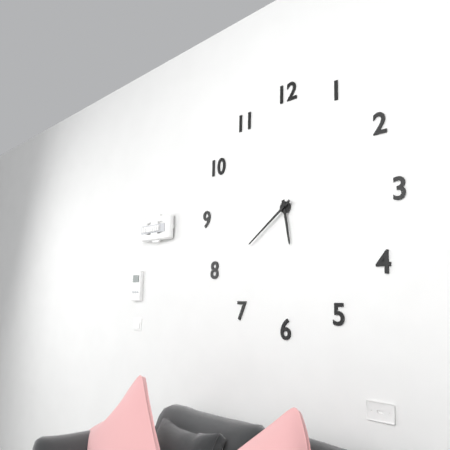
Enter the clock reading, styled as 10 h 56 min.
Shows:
5 h 39 min
